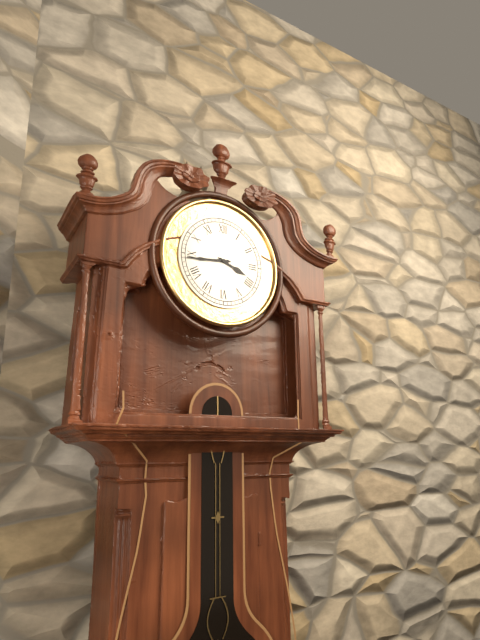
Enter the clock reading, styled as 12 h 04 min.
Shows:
3 h 44 min
